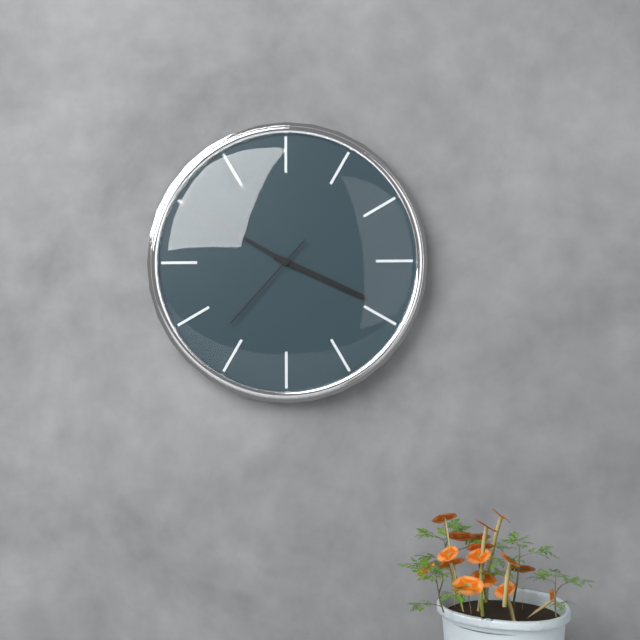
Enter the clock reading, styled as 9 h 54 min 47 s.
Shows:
3 h 50 min 37 s
